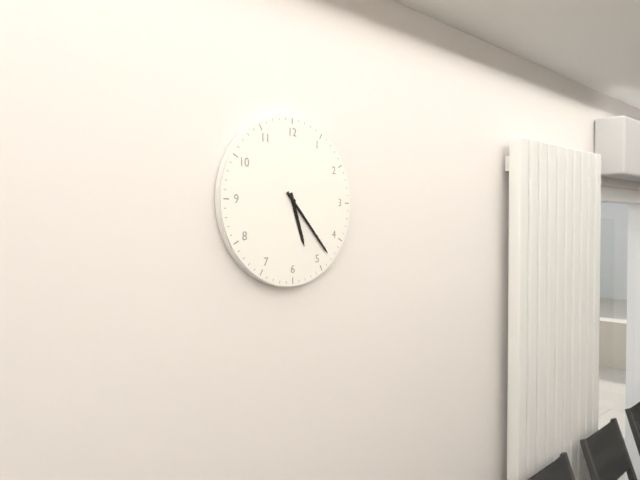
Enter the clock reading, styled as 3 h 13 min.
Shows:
5 h 23 min
